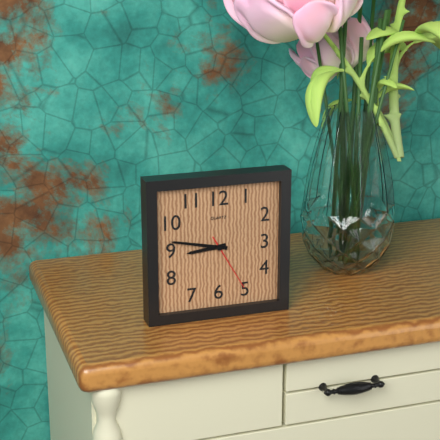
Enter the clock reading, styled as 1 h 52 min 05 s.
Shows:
8 h 47 min 25 s
